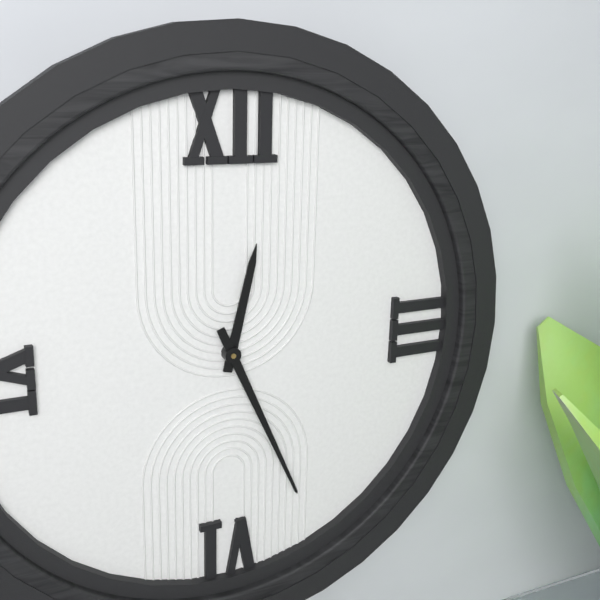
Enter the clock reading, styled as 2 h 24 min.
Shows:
12 h 26 min
